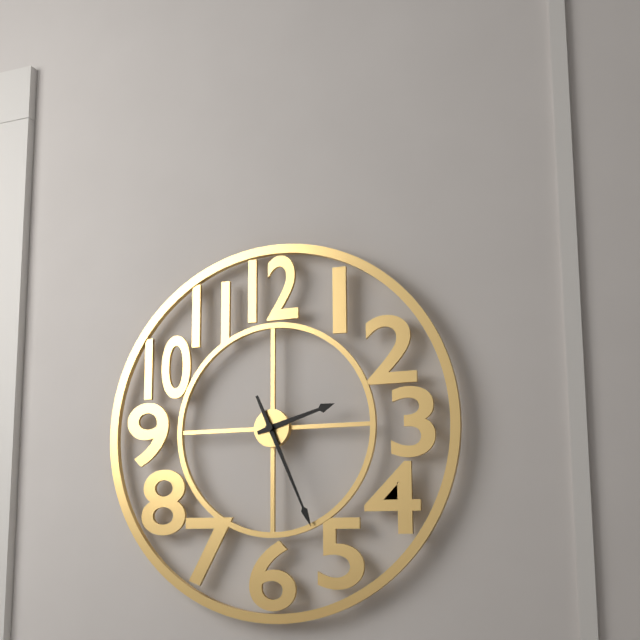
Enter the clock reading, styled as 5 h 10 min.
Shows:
2 h 26 min
